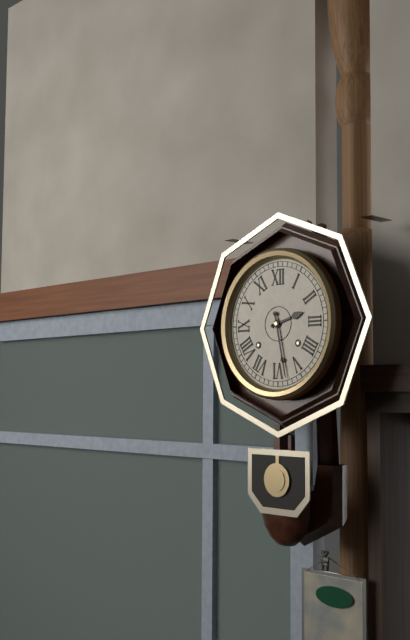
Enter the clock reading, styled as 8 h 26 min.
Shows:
2 h 28 min
